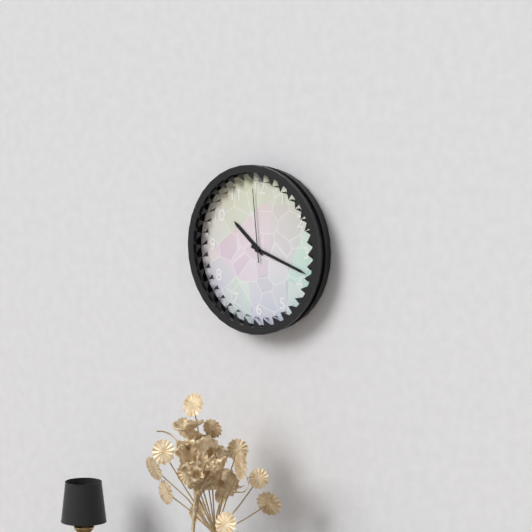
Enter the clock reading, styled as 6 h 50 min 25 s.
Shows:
10 h 18 min 59 s
